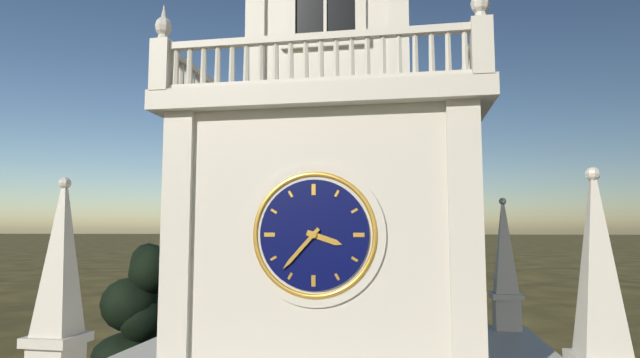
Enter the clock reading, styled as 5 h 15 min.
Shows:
3 h 37 min
